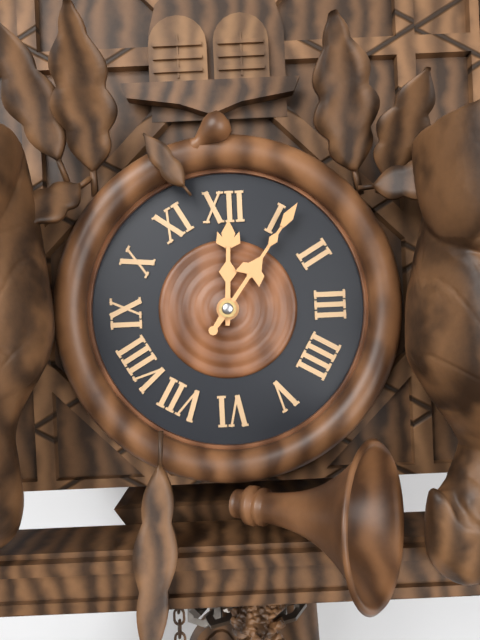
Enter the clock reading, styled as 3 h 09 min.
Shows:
12 h 06 min
